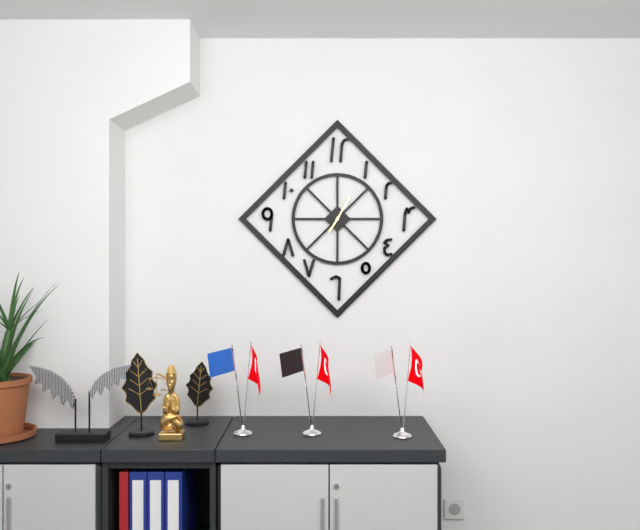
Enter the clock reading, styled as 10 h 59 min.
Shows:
7 h 05 min
